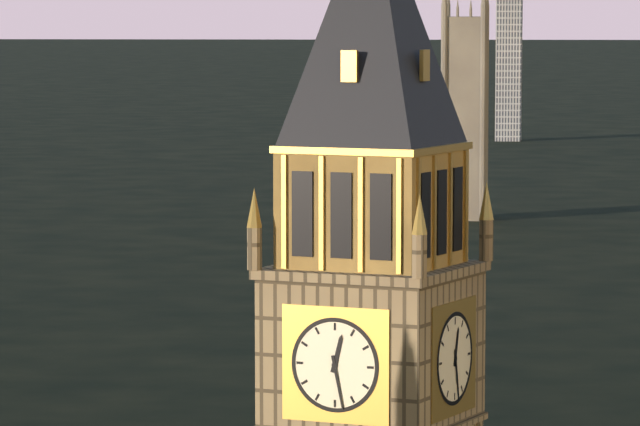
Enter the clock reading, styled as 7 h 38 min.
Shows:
12 h 28 min
